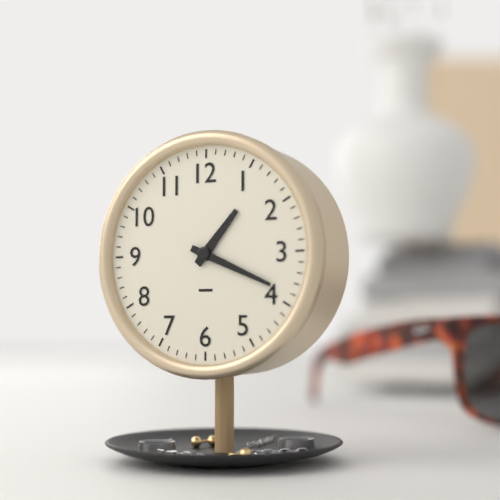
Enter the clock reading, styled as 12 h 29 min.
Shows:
1 h 19 min
